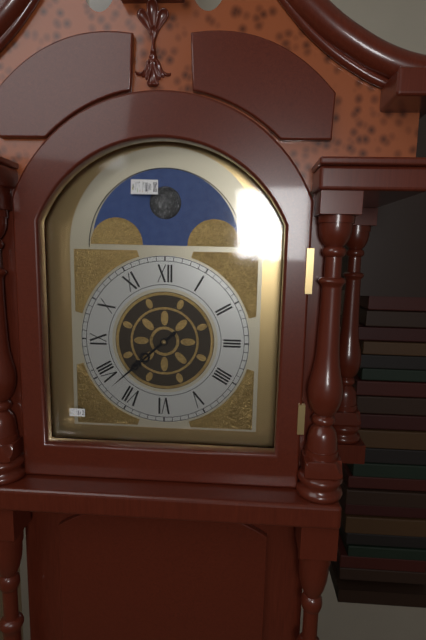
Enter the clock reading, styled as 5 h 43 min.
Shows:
7 h 38 min
